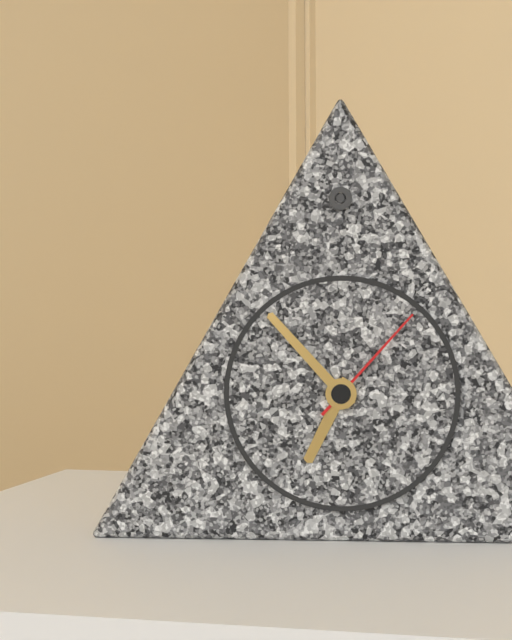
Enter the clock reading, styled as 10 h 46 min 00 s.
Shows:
6 h 53 min 07 s
